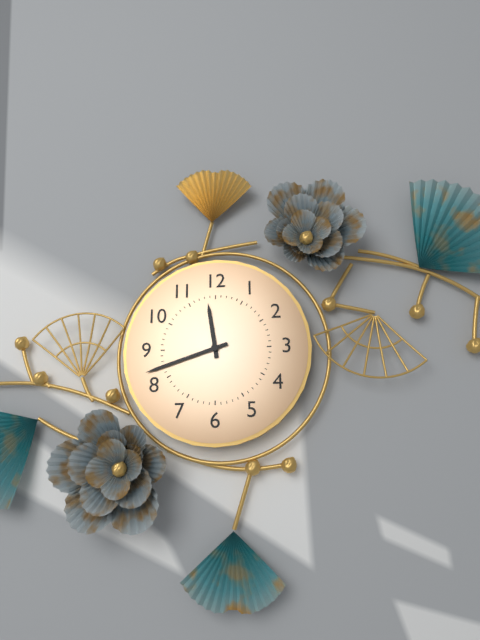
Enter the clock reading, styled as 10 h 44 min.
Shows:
11 h 42 min
